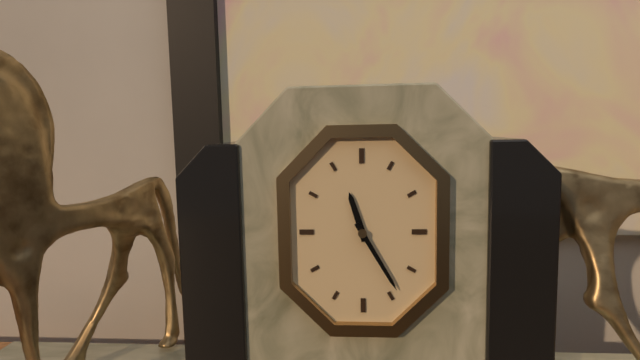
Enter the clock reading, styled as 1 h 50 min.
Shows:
11 h 25 min
